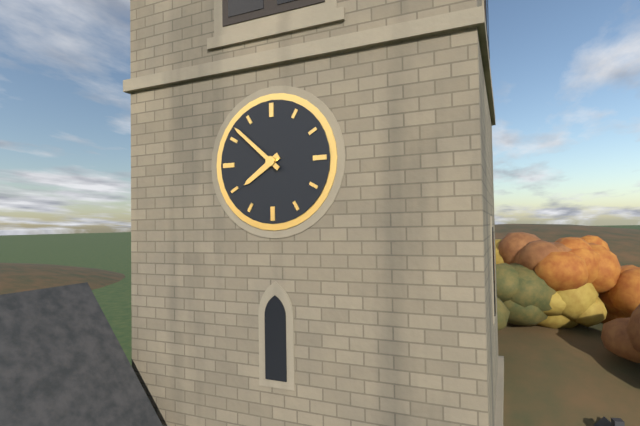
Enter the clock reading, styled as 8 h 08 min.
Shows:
7 h 52 min
